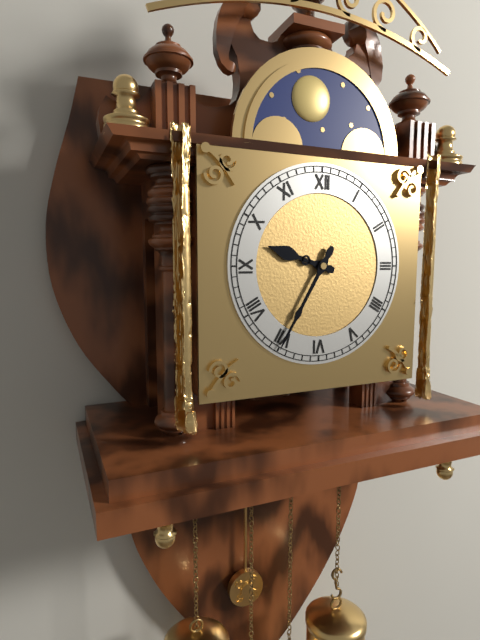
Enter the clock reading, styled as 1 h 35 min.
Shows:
9 h 35 min
